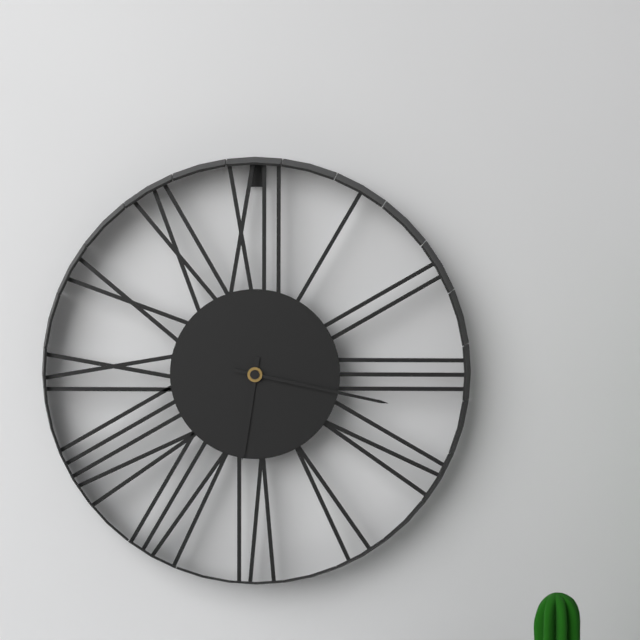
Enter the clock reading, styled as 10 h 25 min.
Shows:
6 h 17 min
